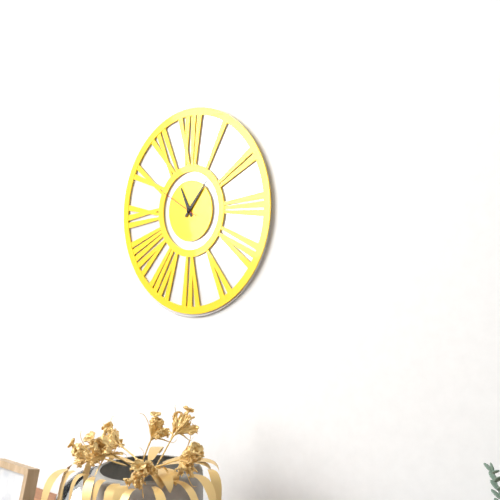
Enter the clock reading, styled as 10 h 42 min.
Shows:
11 h 07 min
